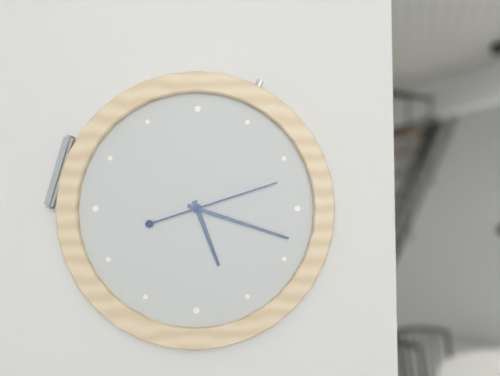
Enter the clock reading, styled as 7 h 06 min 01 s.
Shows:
5 h 18 min 12 s
